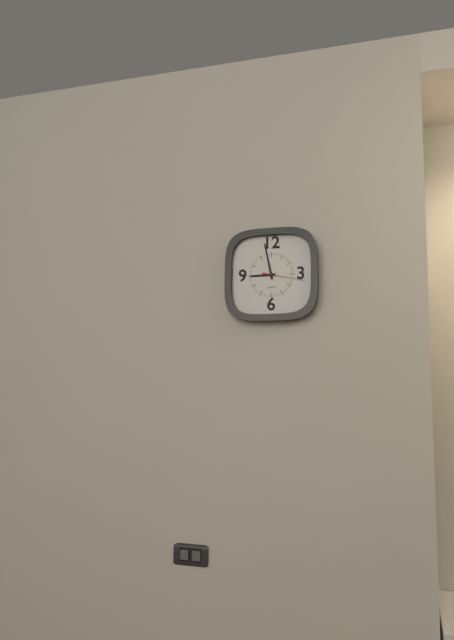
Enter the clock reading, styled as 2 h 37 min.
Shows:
8 h 58 min
